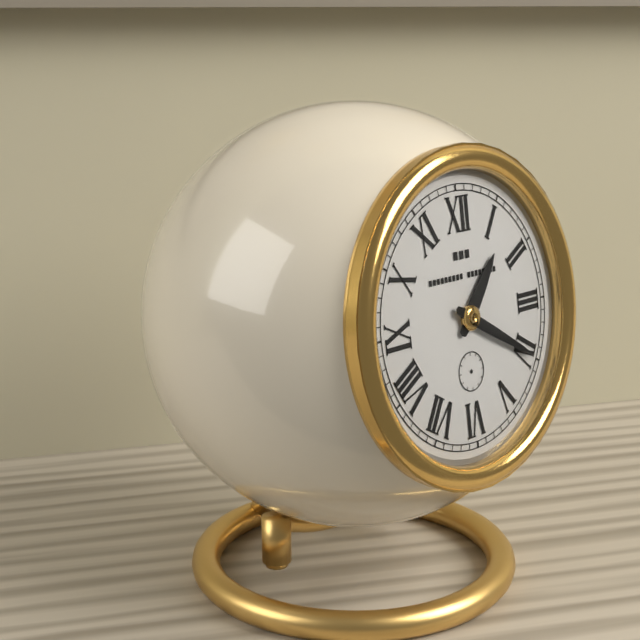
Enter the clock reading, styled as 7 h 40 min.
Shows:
1 h 20 min
